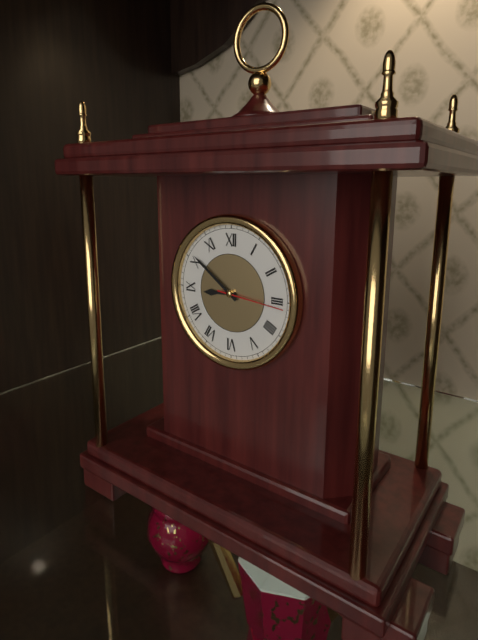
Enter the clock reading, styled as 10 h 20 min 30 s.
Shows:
8 h 51 min 16 s
